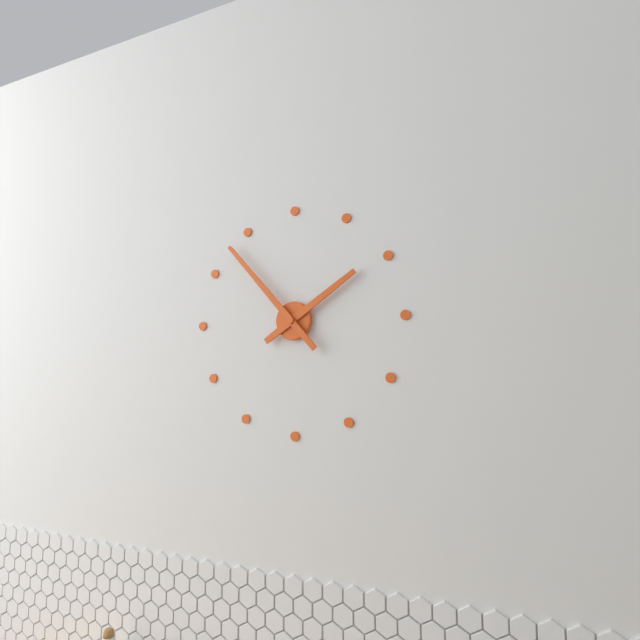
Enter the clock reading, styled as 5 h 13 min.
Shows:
1 h 53 min
